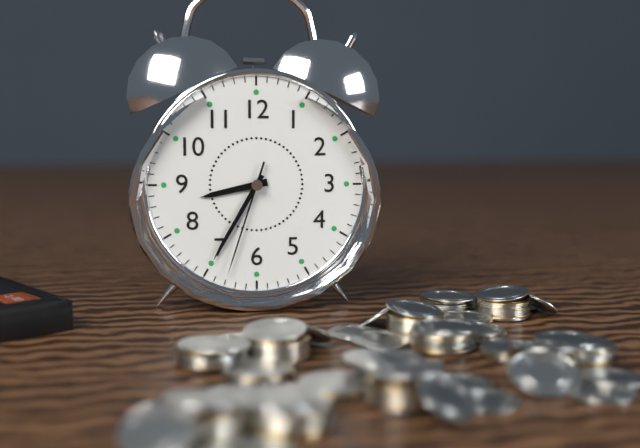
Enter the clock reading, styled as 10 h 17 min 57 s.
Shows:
8 h 35 min 33 s
